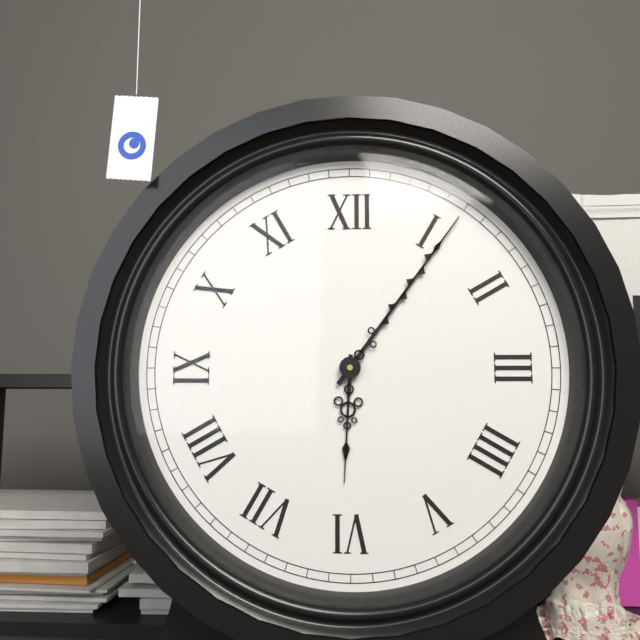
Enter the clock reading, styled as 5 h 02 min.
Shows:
6 h 06 min
